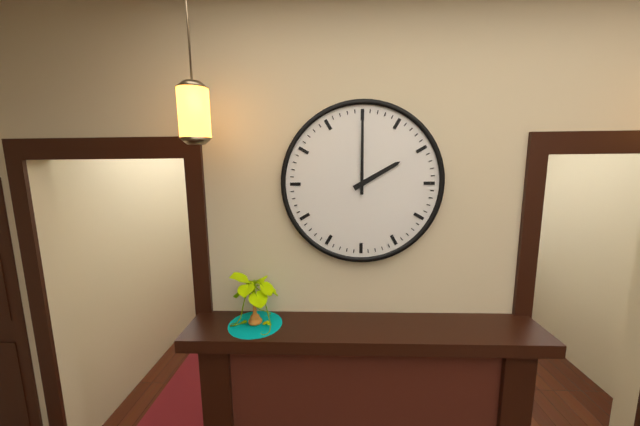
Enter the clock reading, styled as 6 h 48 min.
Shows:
2 h 00 min
